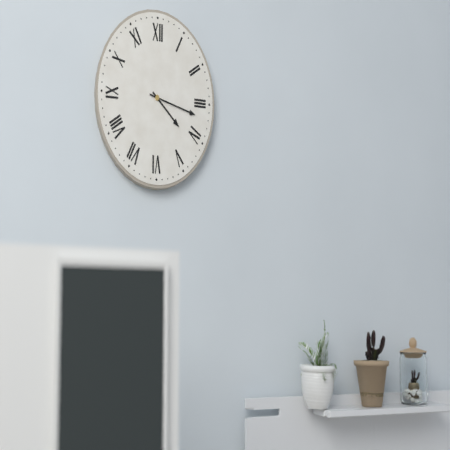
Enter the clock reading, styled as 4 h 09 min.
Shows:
4 h 17 min
